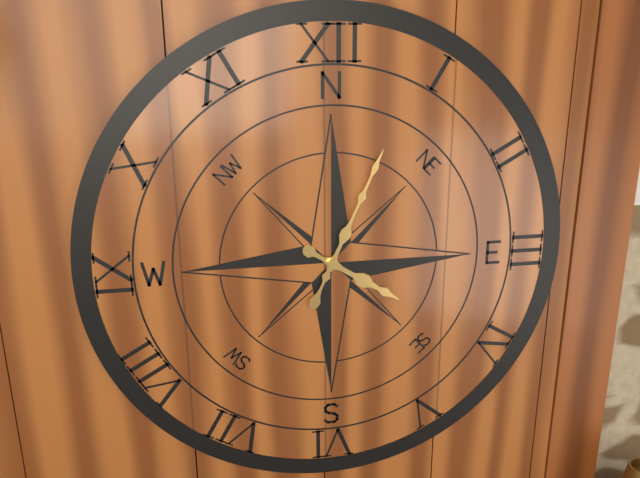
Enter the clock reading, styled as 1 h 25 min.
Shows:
4 h 04 min
